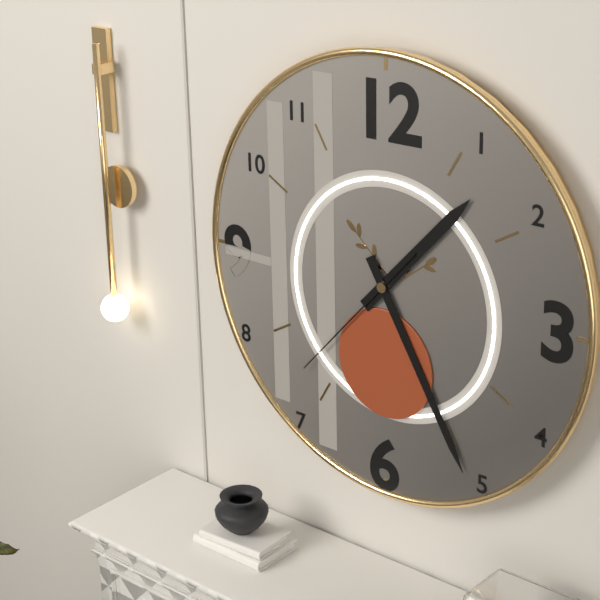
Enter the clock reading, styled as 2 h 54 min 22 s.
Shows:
1 h 25 min 37 s
